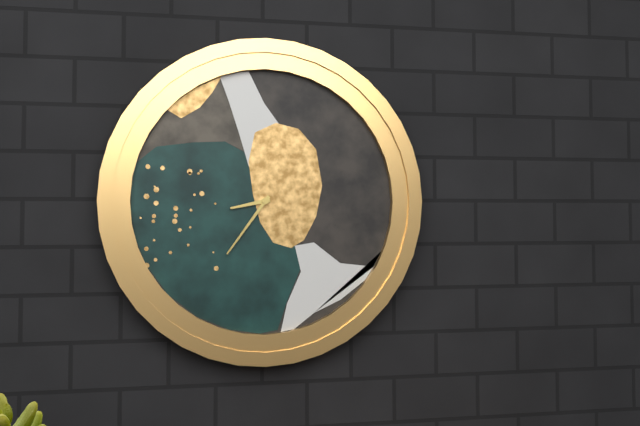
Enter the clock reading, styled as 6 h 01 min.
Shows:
8 h 36 min
